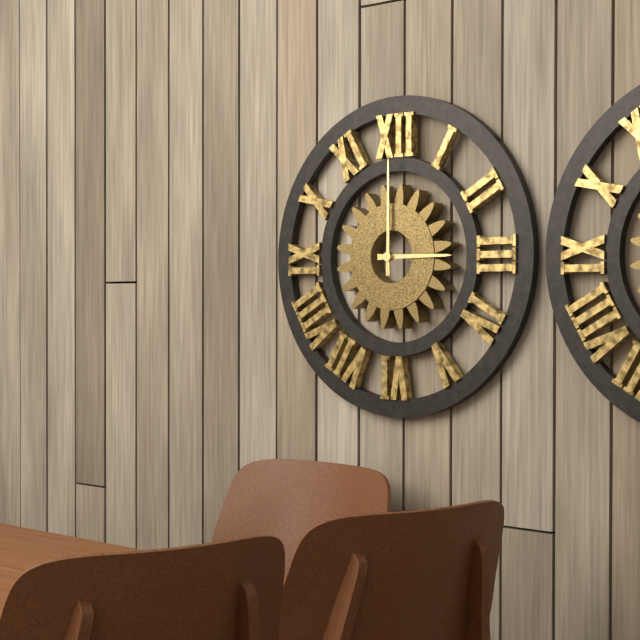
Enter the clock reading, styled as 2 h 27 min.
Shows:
3 h 00 min
